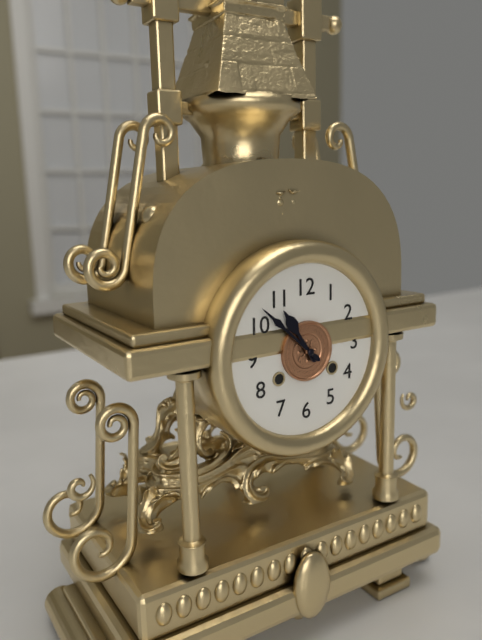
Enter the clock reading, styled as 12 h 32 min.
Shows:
10 h 52 min
